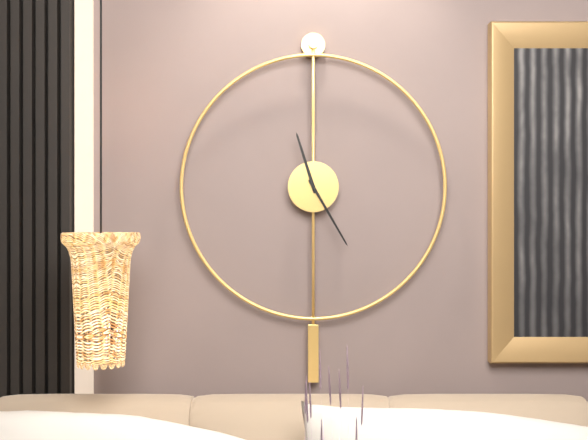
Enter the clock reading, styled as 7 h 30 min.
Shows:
11 h 25 min
